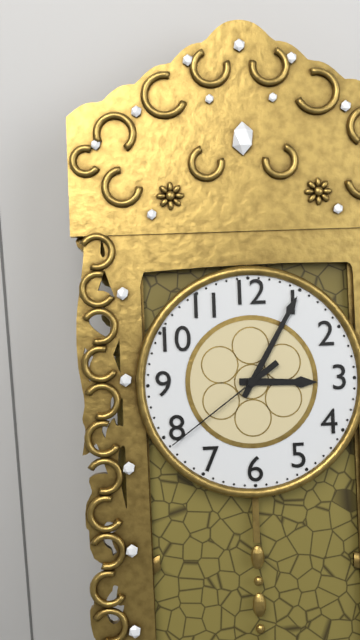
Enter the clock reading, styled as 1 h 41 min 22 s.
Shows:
3 h 05 min 39 s
